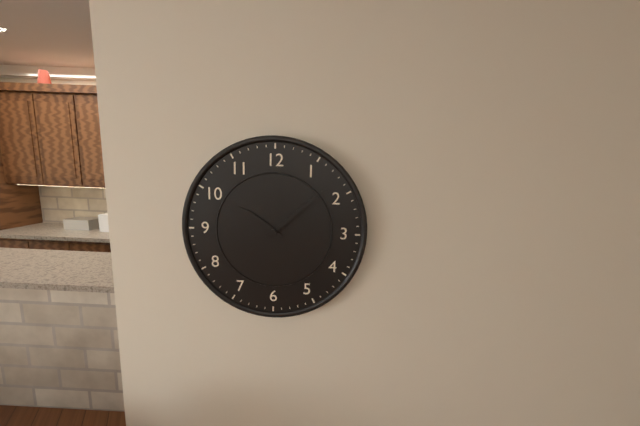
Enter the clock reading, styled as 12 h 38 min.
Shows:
10 h 08 min
